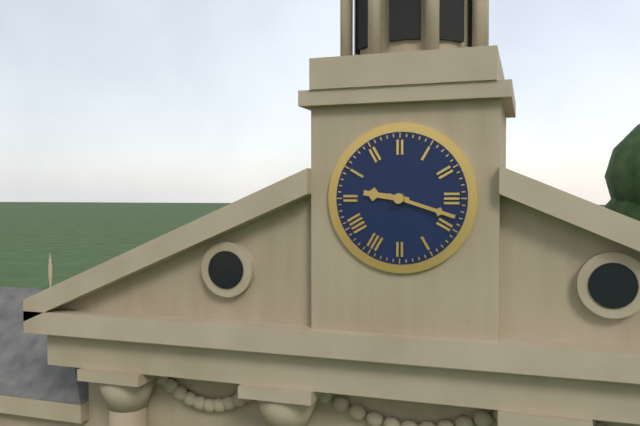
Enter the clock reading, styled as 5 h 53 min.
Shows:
9 h 18 min
